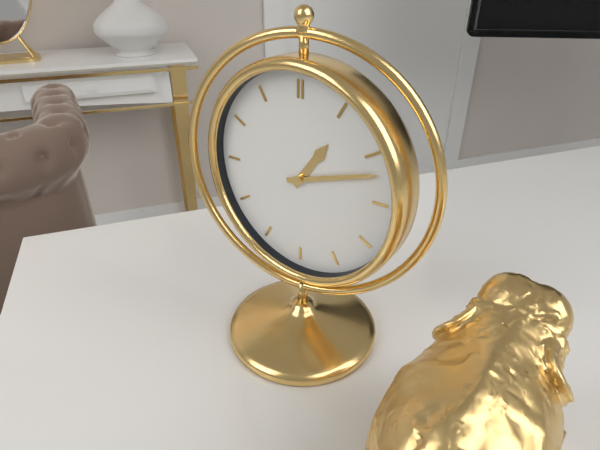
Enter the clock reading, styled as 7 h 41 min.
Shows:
1 h 12 min
